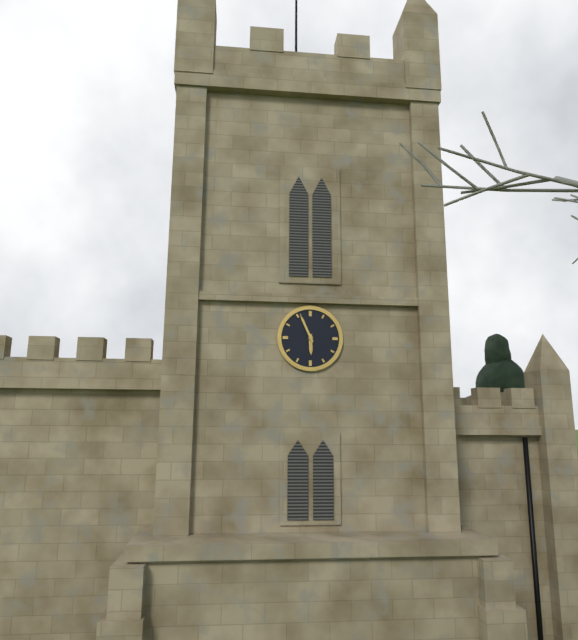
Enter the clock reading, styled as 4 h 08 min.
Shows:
5 h 56 min
